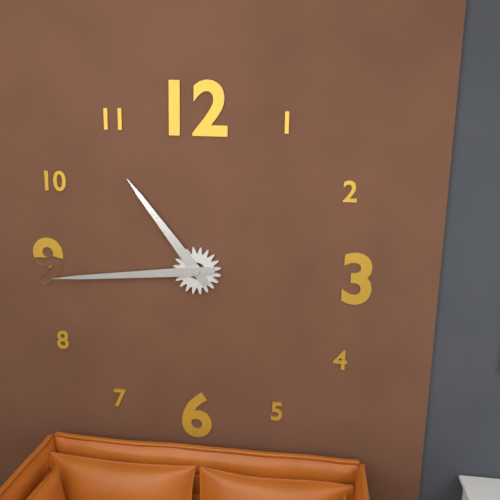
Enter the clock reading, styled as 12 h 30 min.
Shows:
10 h 44 min
